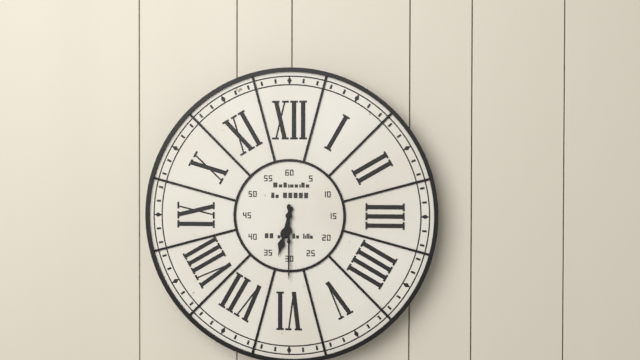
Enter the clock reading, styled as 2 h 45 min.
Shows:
6 h 30 min
